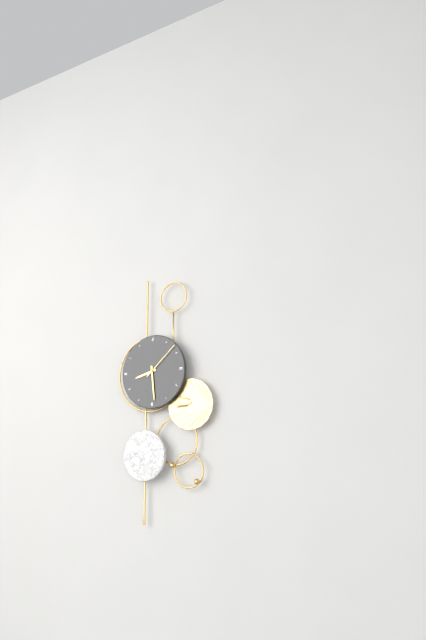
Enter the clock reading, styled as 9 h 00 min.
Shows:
8 h 29 min
